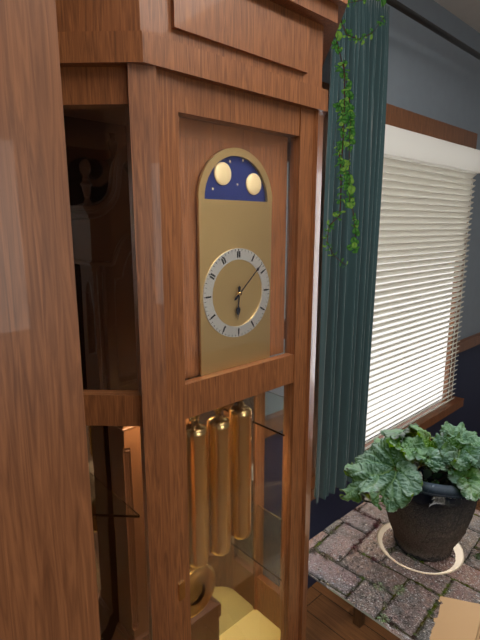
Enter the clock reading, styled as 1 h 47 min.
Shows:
6 h 08 min
